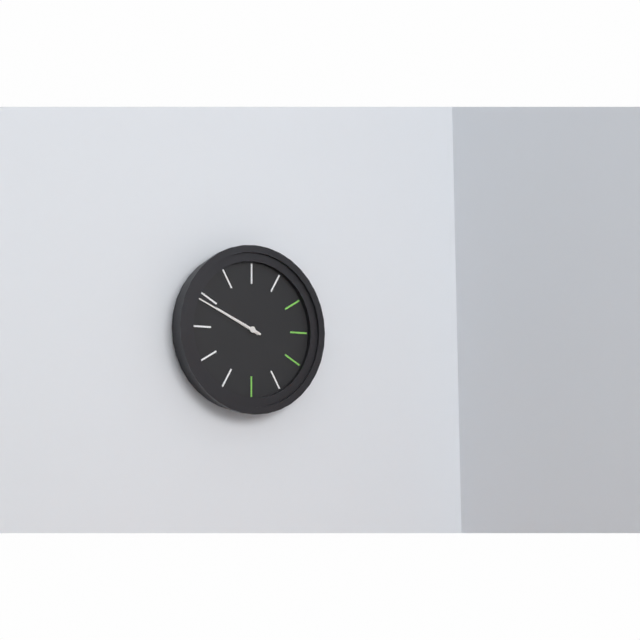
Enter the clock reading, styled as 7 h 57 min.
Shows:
9 h 49 min
